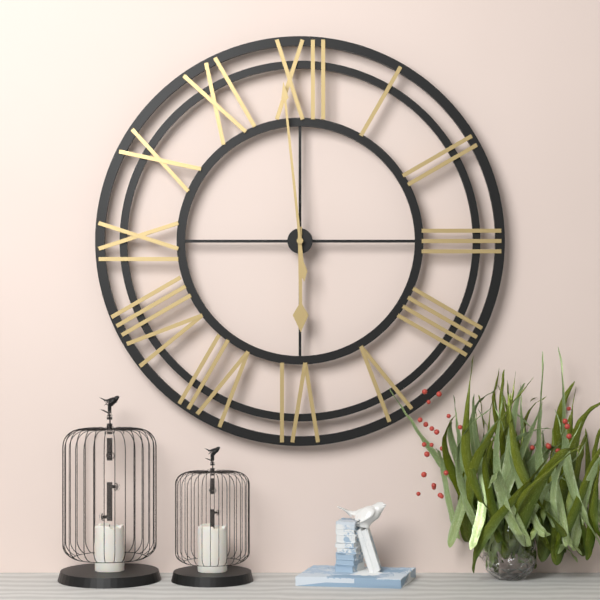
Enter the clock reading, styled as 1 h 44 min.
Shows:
5 h 59 min
